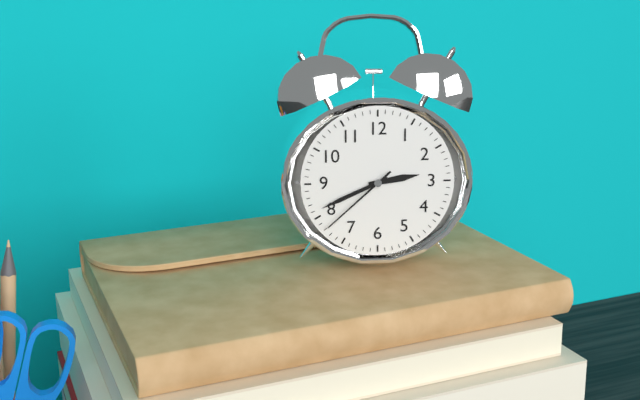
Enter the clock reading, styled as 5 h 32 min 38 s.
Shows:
2 h 41 min 38 s
